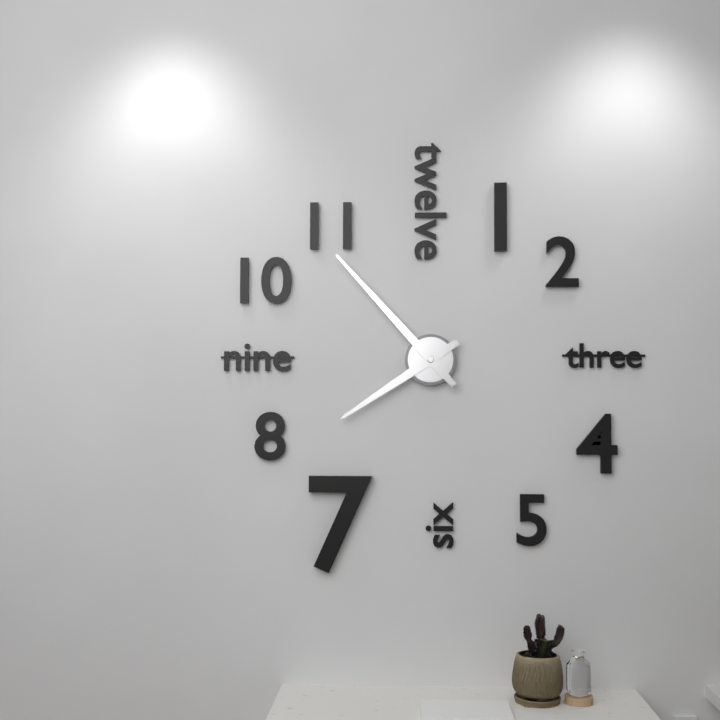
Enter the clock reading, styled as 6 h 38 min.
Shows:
7 h 53 min
